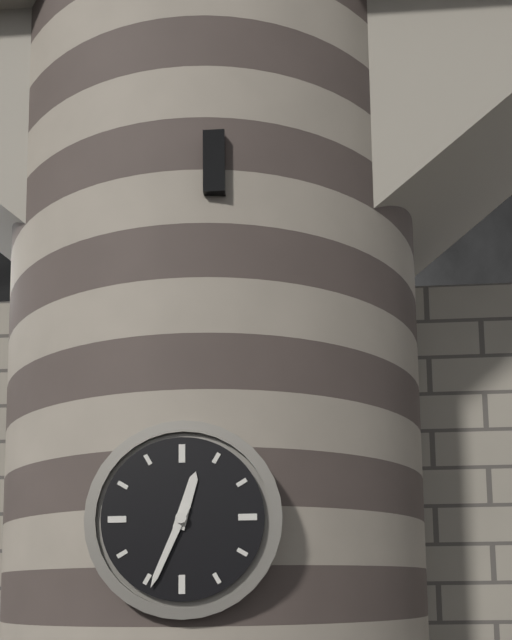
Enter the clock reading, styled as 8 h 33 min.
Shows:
12 h 34 min
